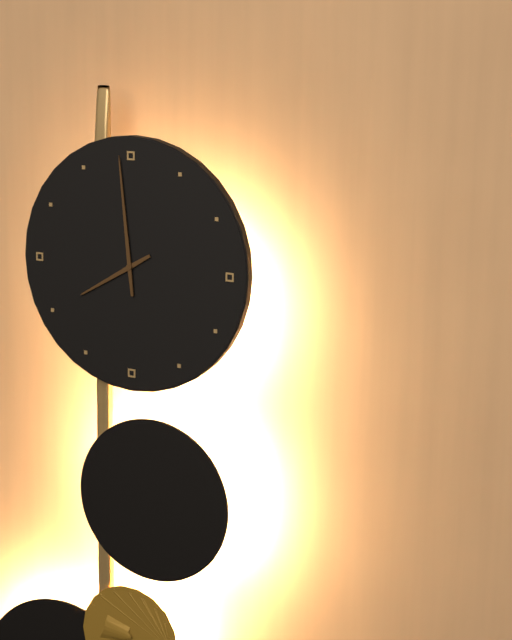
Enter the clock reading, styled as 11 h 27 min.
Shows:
7 h 59 min
